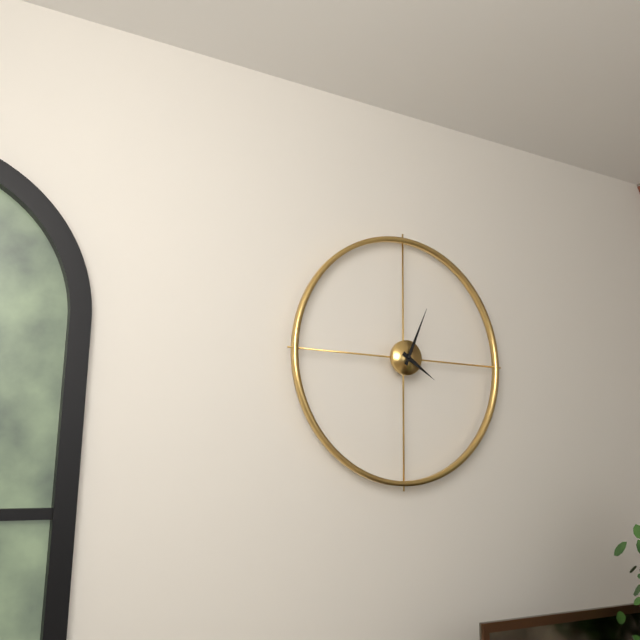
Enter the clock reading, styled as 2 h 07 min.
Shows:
4 h 04 min
